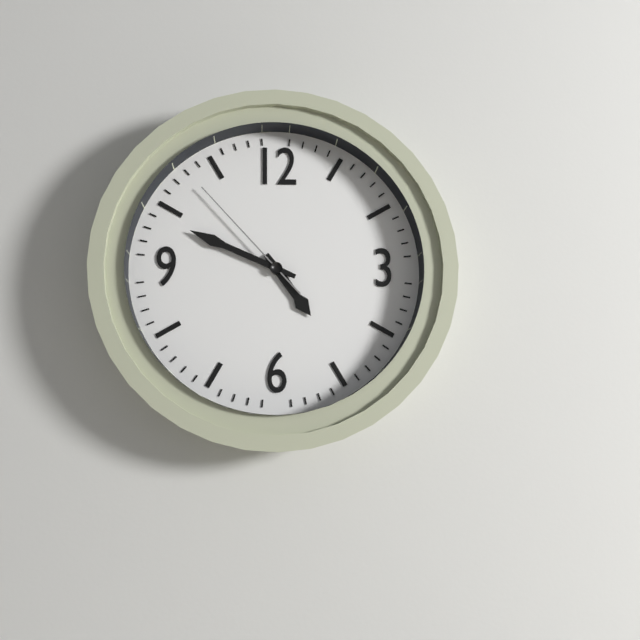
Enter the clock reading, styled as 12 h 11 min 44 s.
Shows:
4 h 49 min 53 s
